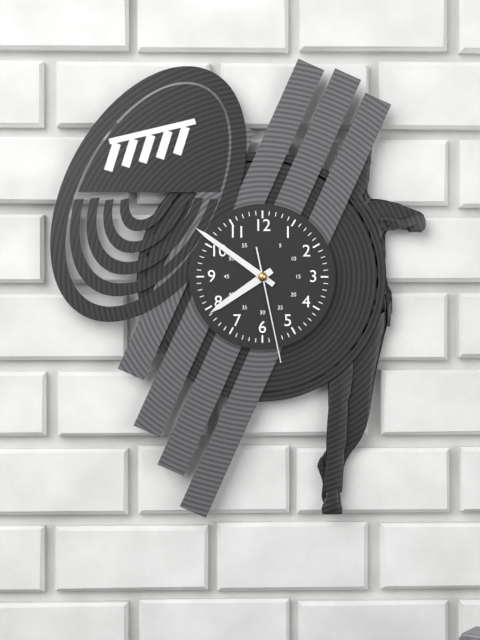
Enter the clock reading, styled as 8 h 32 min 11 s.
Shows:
7 h 51 min 28 s
